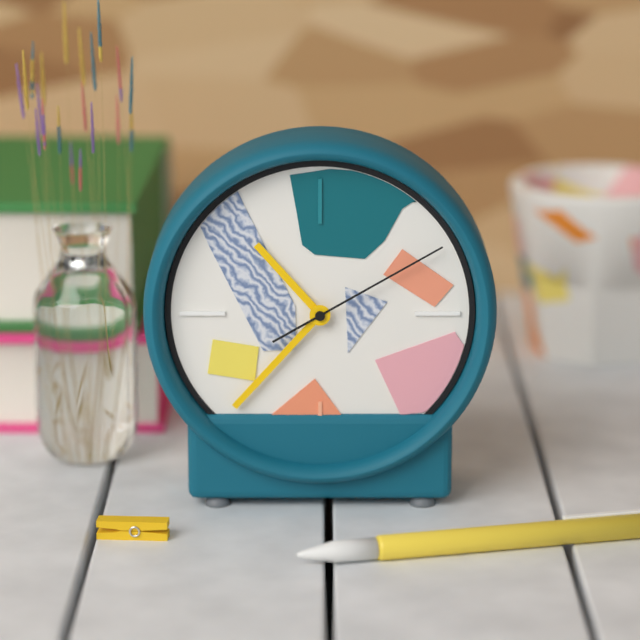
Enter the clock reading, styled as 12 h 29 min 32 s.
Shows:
10 h 37 min 10 s
